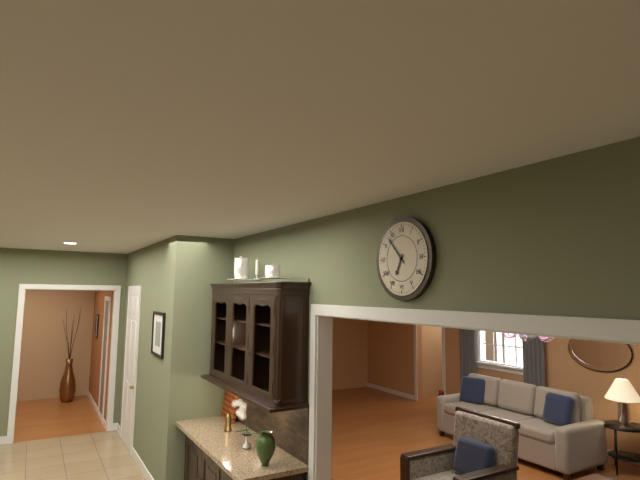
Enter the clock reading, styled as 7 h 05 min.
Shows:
6 h 53 min
